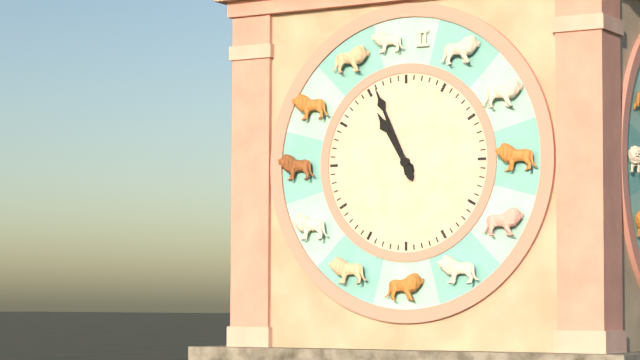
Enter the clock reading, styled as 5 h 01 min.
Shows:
10 h 56 min
